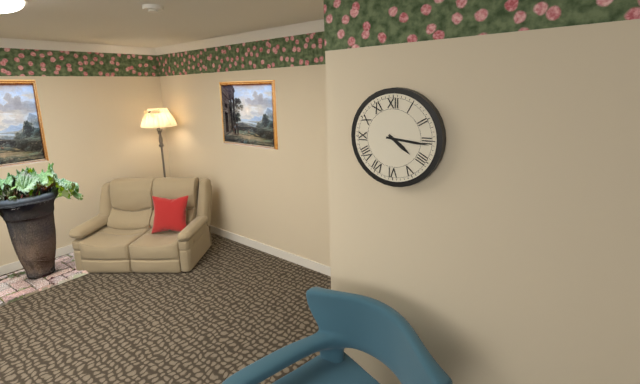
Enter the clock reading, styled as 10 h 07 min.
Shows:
4 h 16 min
